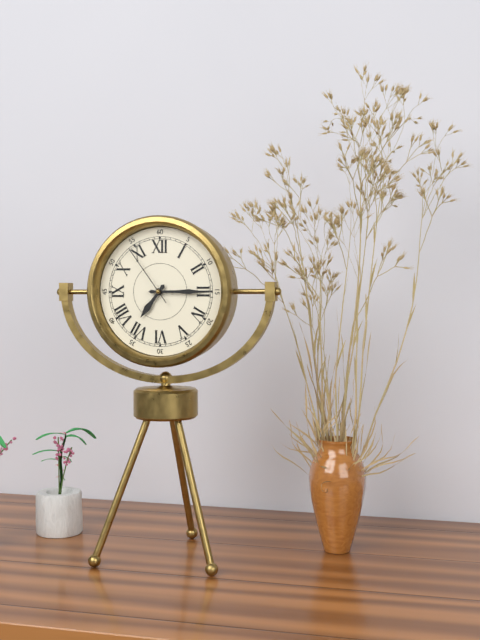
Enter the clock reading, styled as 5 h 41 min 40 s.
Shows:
7 h 15 min 54 s
